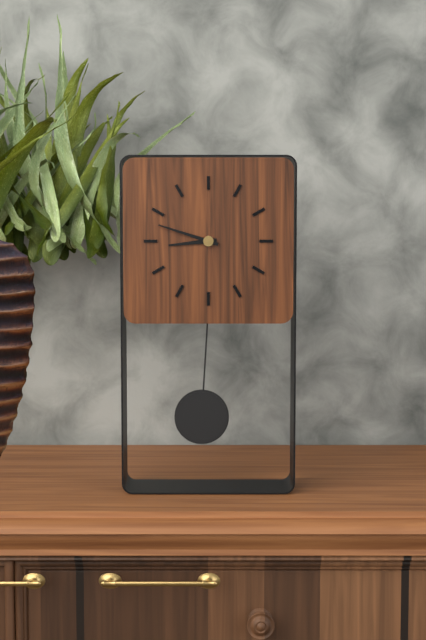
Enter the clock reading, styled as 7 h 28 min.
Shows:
8 h 48 min
